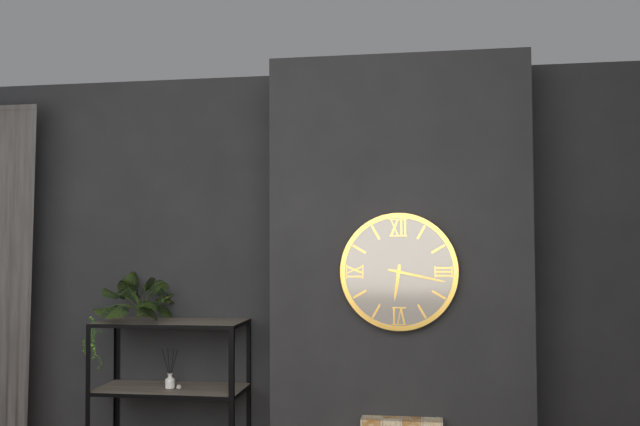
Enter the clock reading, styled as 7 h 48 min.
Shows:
6 h 17 min
